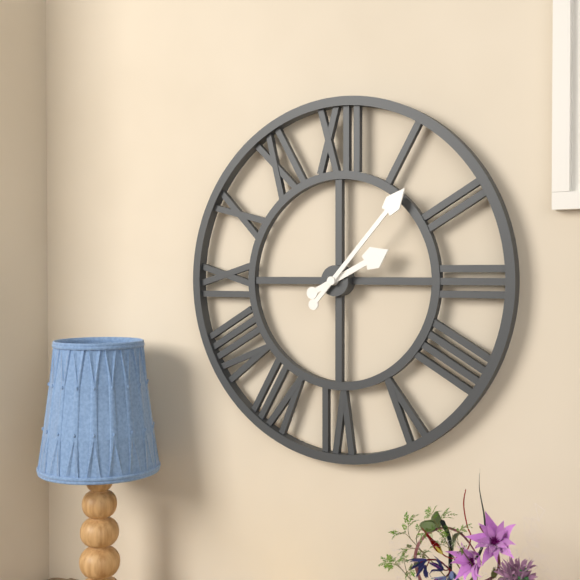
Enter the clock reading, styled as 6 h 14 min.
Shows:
2 h 07 min
